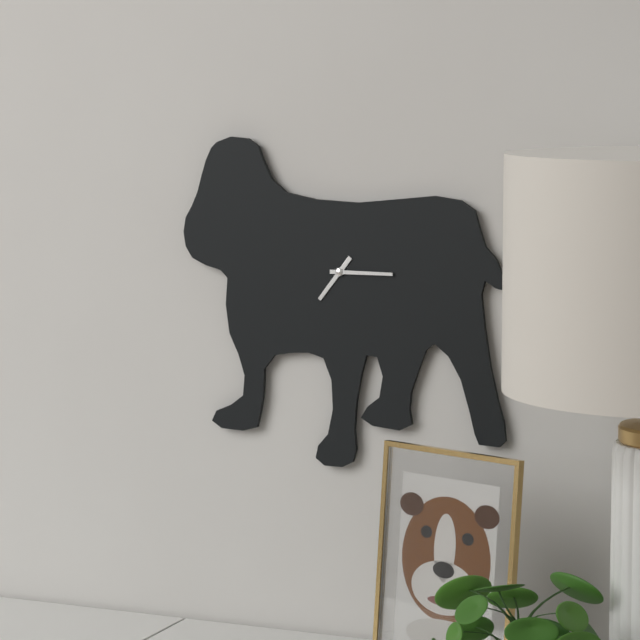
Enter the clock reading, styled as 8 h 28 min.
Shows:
7 h 15 min
